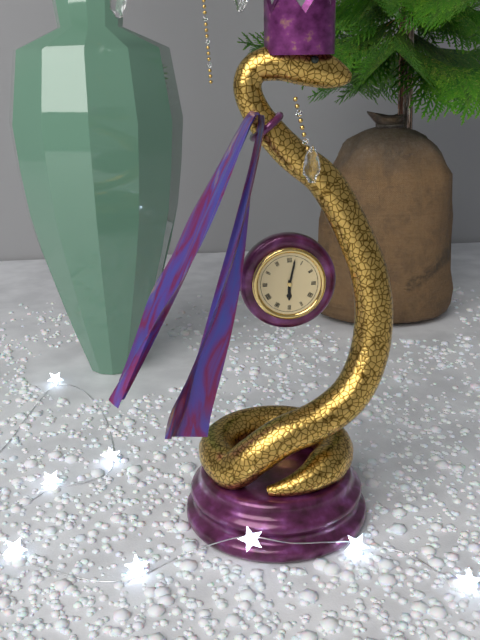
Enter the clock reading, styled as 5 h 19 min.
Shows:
6 h 02 min
